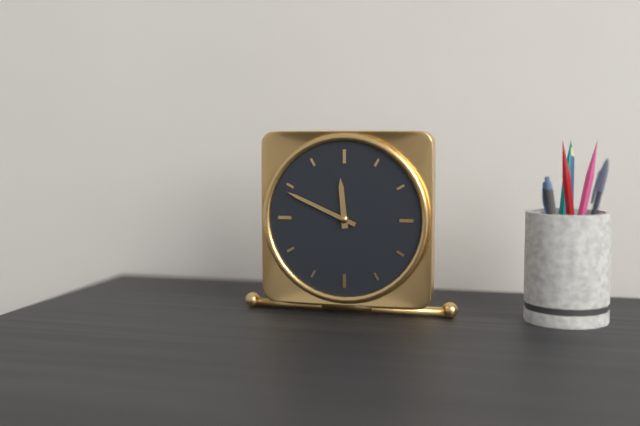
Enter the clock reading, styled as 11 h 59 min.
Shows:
11 h 49 min
